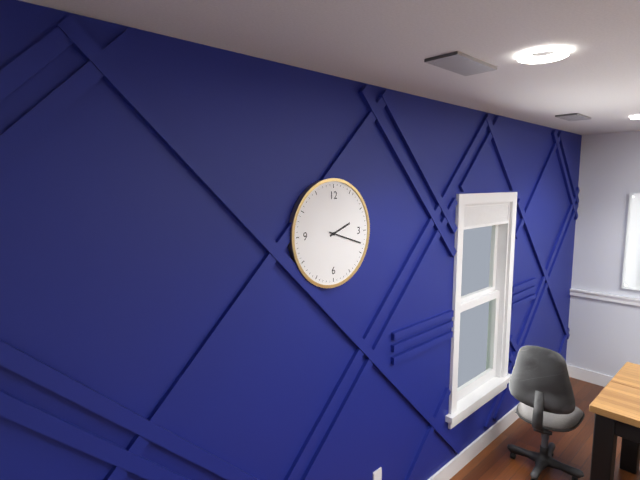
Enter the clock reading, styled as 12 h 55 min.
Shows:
2 h 18 min
